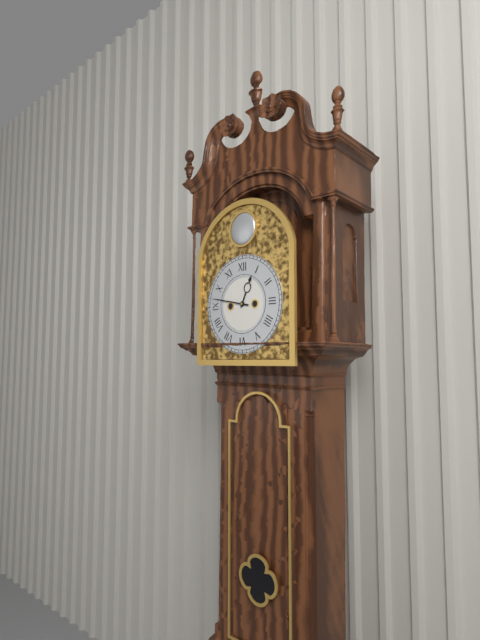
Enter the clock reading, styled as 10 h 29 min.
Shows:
12 h 47 min
